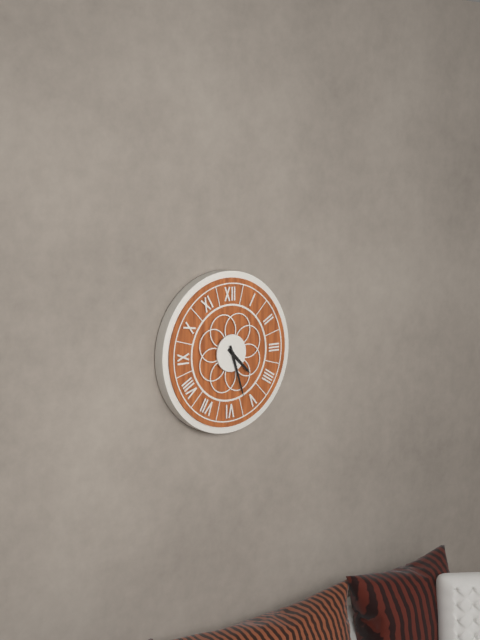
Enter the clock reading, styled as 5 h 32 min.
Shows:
4 h 27 min
